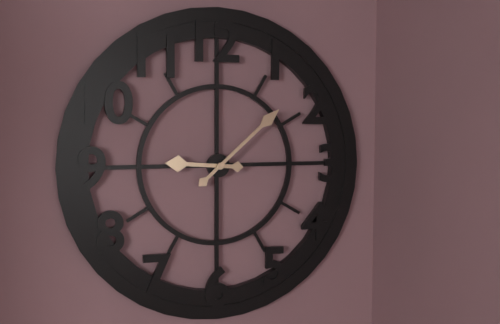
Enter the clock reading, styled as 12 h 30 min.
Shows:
9 h 08 min
